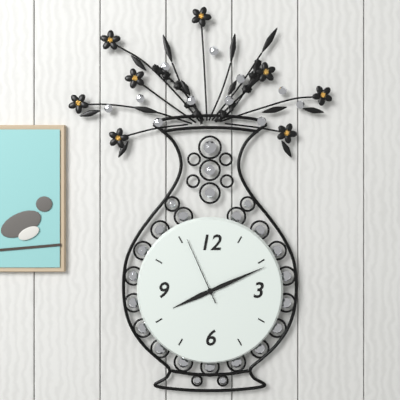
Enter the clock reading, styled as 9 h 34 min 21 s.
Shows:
8 h 11 min 56 s
